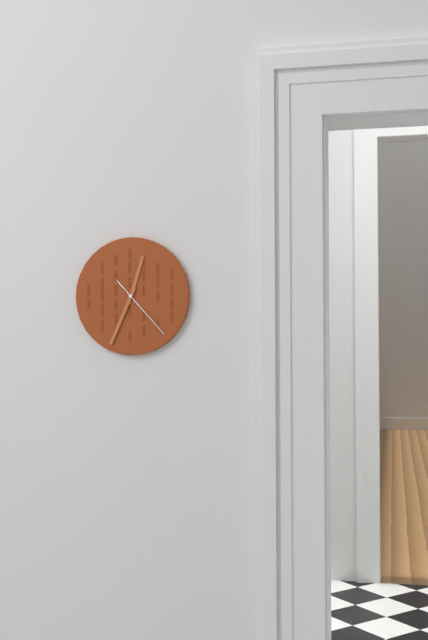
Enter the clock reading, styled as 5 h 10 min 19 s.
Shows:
12 h 34 min 23 s
